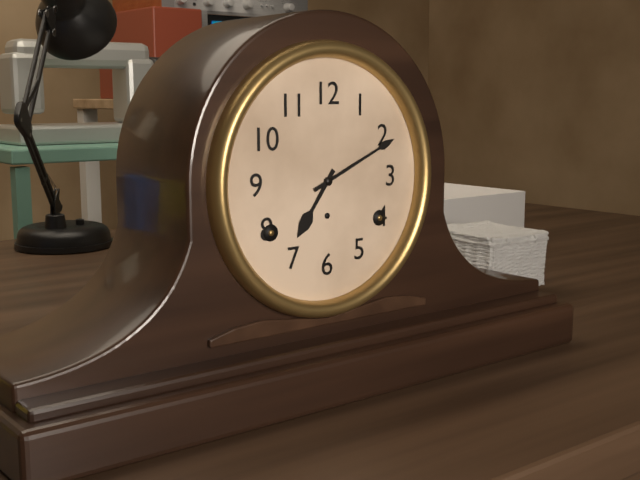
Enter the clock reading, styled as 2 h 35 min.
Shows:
7 h 11 min
